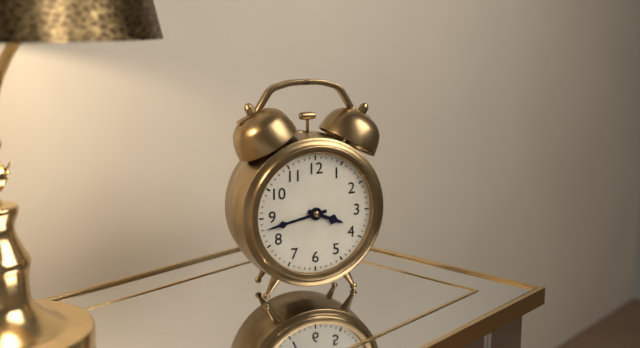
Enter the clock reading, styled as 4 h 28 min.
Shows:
3 h 43 min
